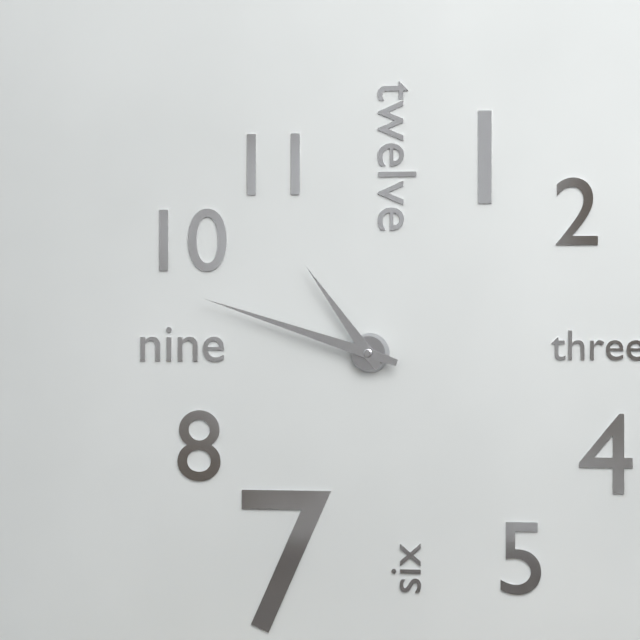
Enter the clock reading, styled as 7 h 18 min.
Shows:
10 h 48 min
